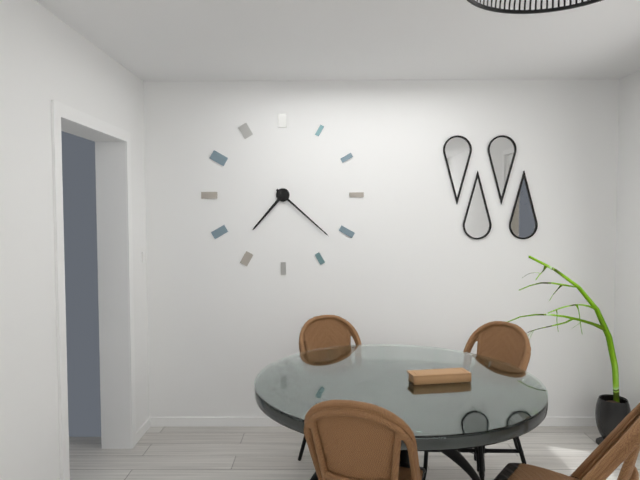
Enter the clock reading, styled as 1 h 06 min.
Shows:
7 h 22 min
